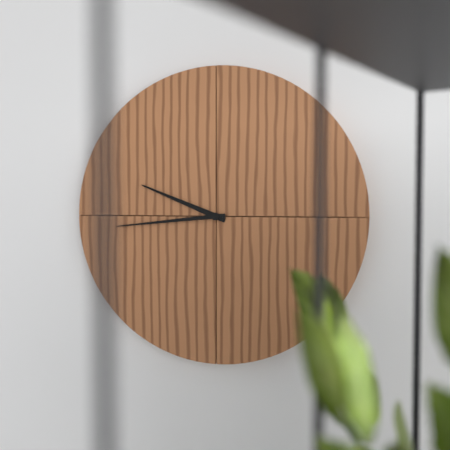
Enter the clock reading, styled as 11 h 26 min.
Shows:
9 h 44 min
